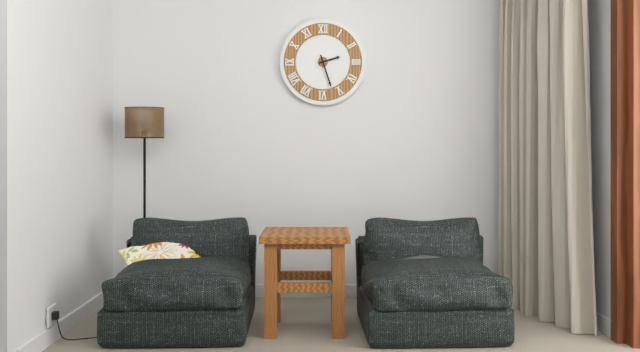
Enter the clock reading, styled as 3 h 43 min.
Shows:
2 h 27 min
